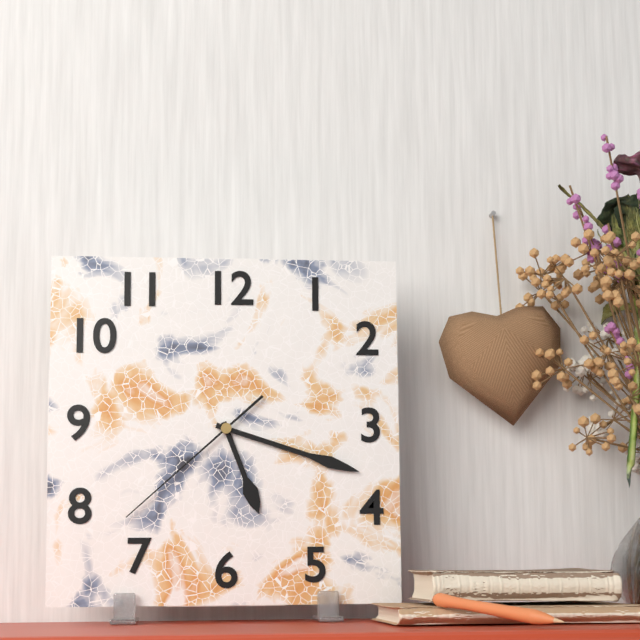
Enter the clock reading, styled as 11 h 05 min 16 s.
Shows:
5 h 18 min 38 s
